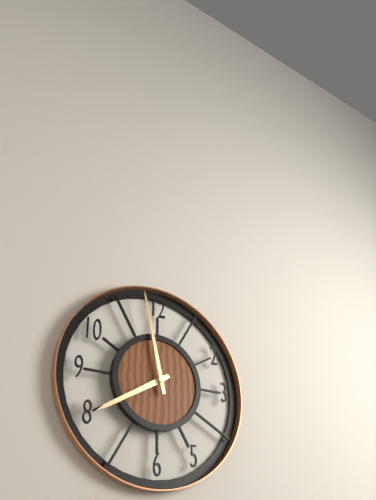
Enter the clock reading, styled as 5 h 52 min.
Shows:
7 h 58 min
